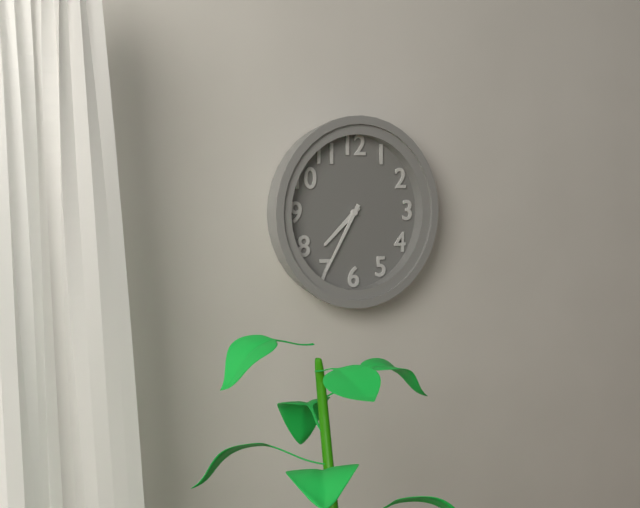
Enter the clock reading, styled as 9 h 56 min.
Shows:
7 h 35 min
